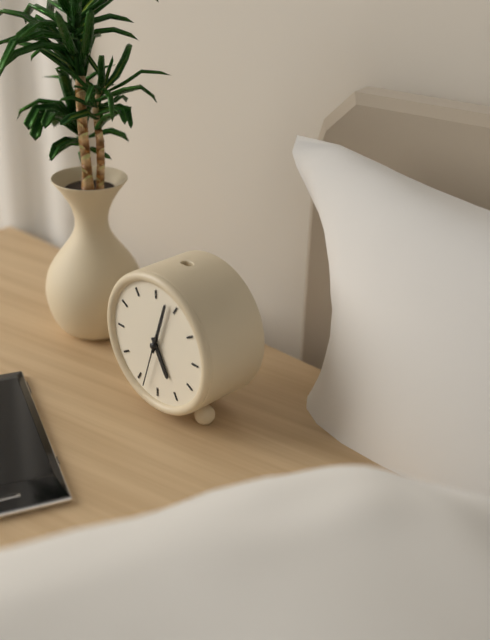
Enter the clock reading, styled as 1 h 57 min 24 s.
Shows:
5 h 03 min 33 s
